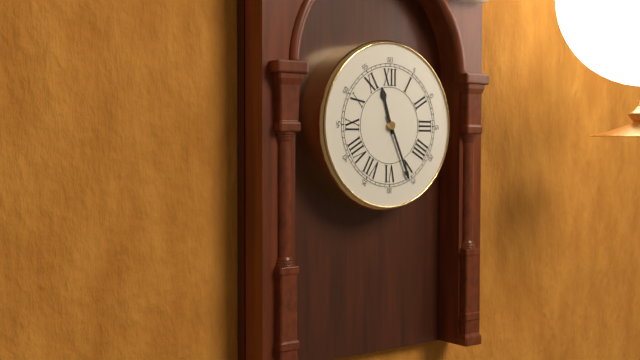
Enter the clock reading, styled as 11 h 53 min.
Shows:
11 h 26 min
